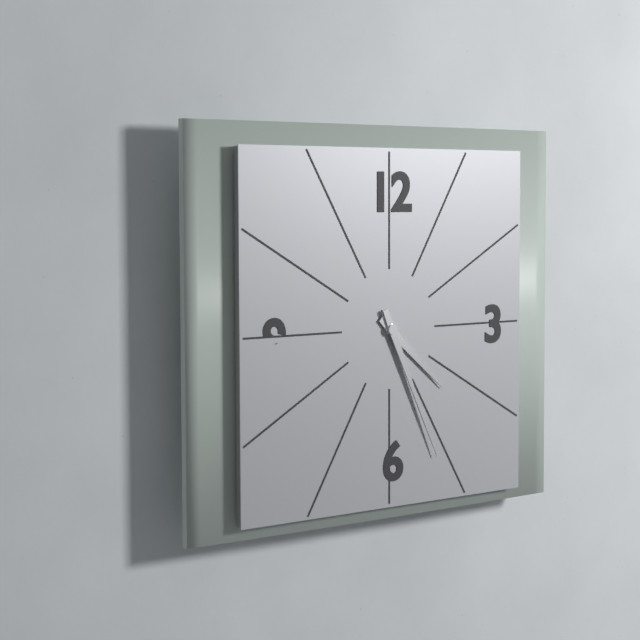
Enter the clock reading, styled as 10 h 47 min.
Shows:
4 h 26 min
